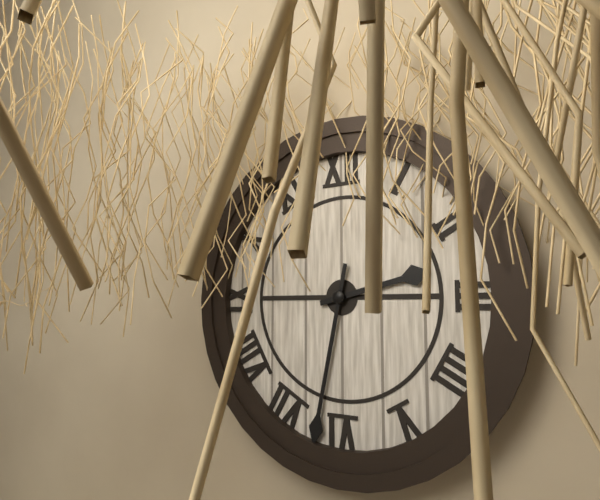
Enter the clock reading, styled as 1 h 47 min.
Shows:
2 h 32 min
